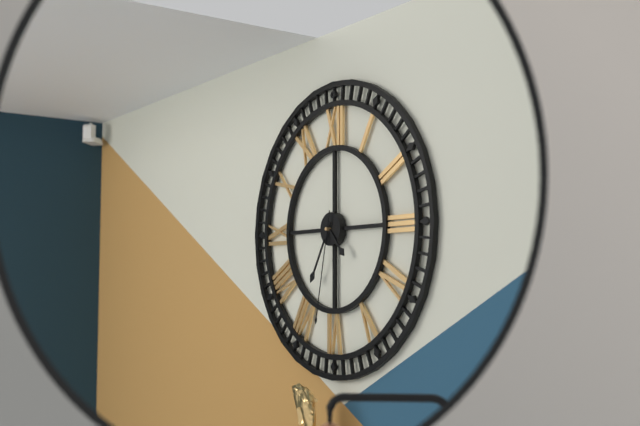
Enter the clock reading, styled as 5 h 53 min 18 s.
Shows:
4 h 35 min 32 s
